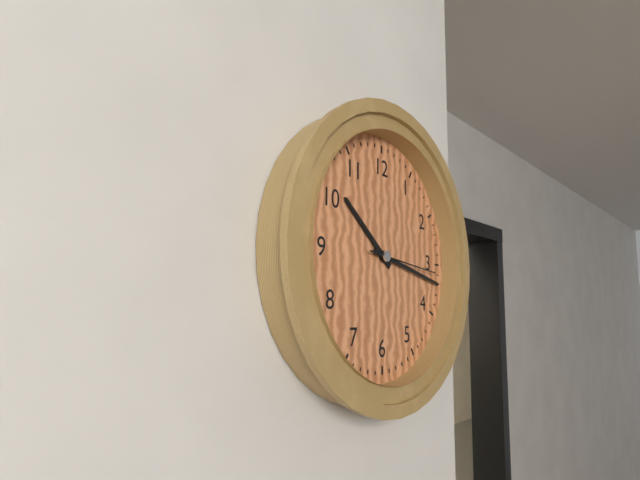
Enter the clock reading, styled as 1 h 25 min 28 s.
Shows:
10 h 17 min 16 s
